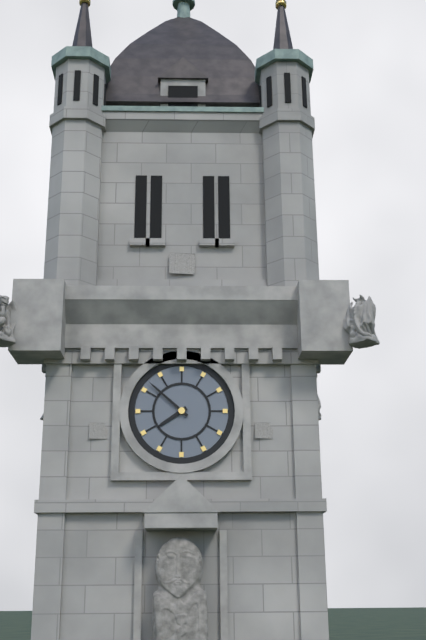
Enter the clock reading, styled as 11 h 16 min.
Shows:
7 h 52 min
